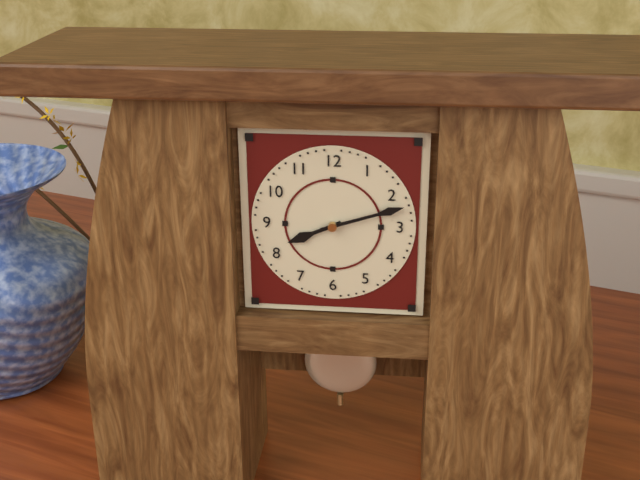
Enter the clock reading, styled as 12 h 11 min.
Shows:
8 h 12 min
